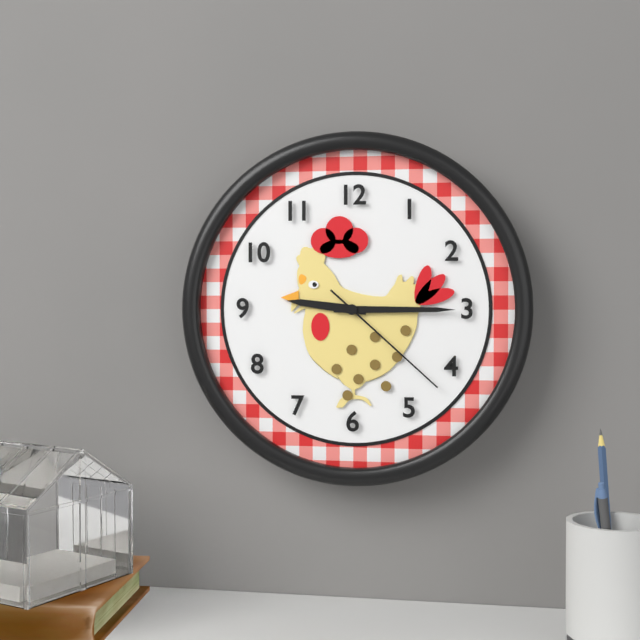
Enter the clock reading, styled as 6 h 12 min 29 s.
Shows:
9 h 15 min 22 s
